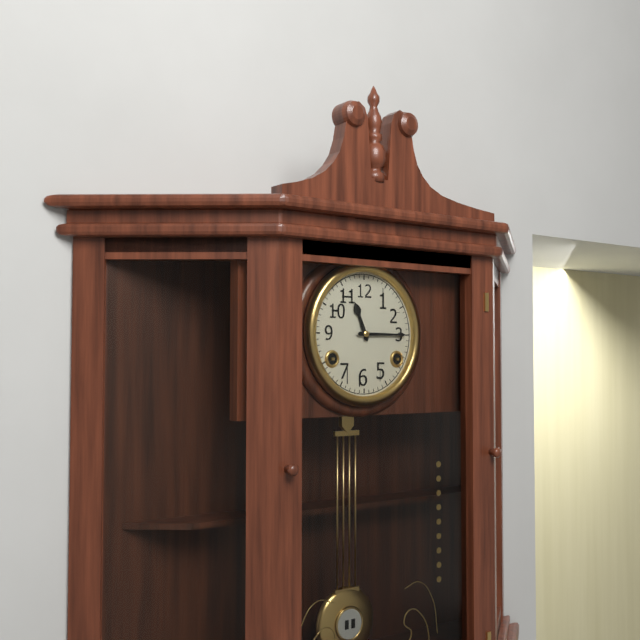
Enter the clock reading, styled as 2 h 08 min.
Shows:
11 h 15 min
